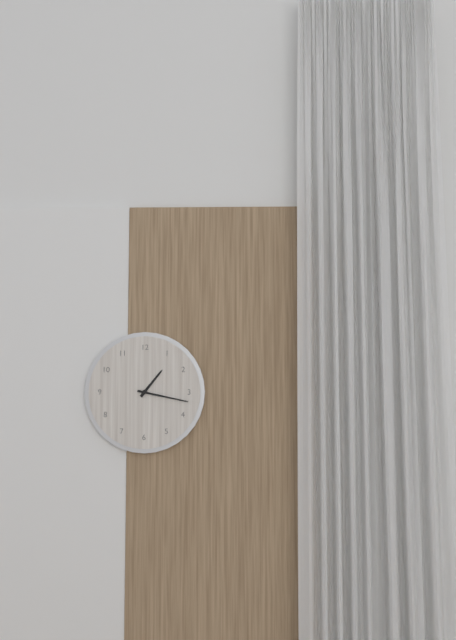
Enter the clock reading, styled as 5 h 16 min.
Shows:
1 h 17 min
